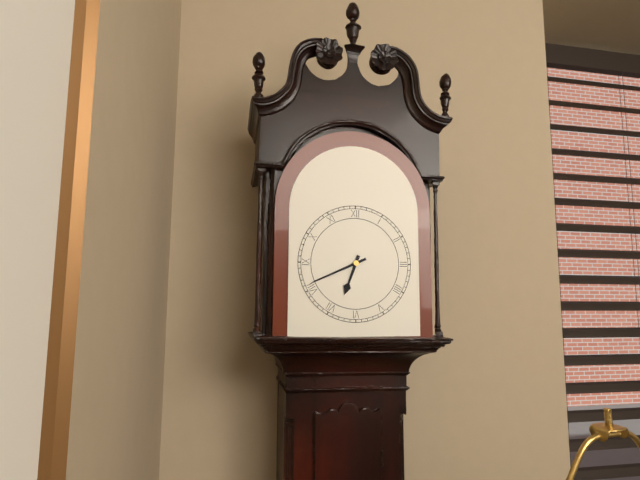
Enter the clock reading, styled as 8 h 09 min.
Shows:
6 h 41 min
